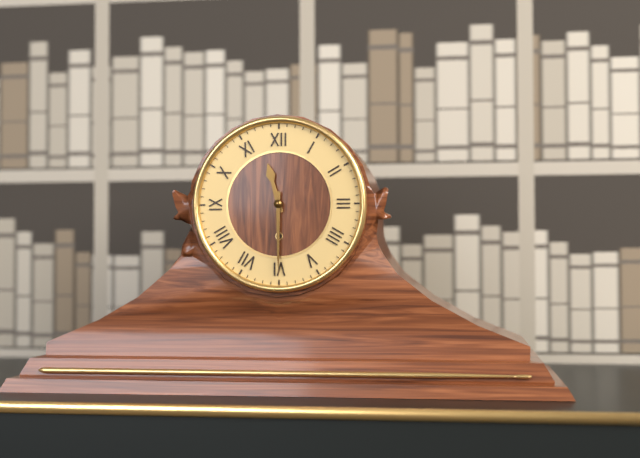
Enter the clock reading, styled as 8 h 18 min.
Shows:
11 h 30 min
